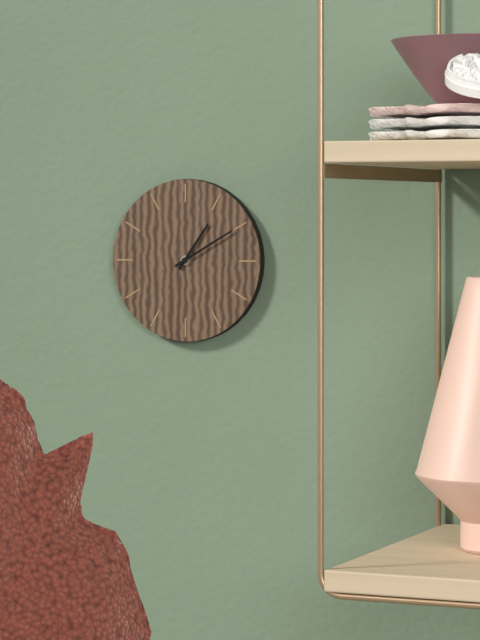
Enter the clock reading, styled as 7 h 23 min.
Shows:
1 h 10 min
